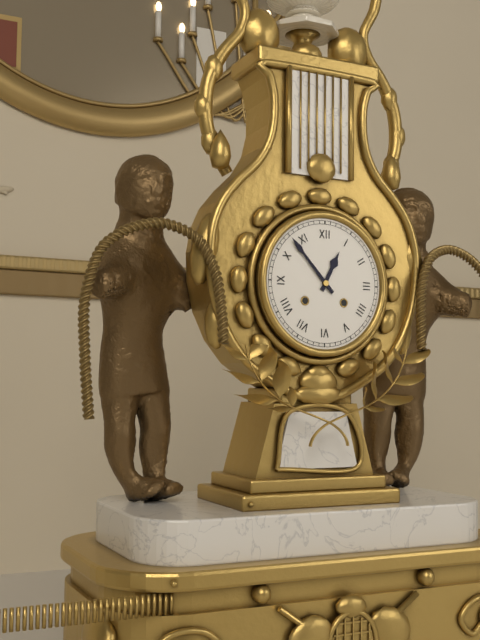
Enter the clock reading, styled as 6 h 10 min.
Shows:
12 h 53 min
